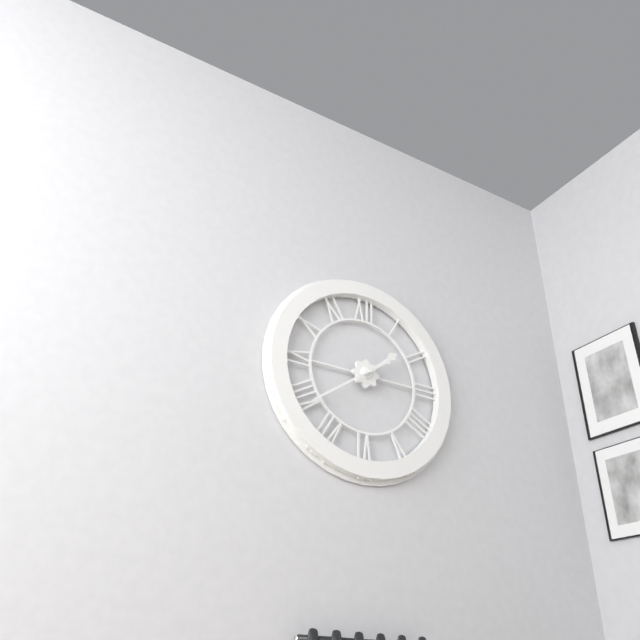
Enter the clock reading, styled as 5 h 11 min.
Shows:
1 h 39 min
